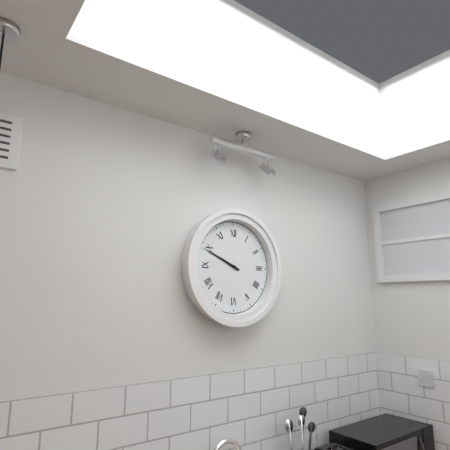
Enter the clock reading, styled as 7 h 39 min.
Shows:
9 h 49 min
